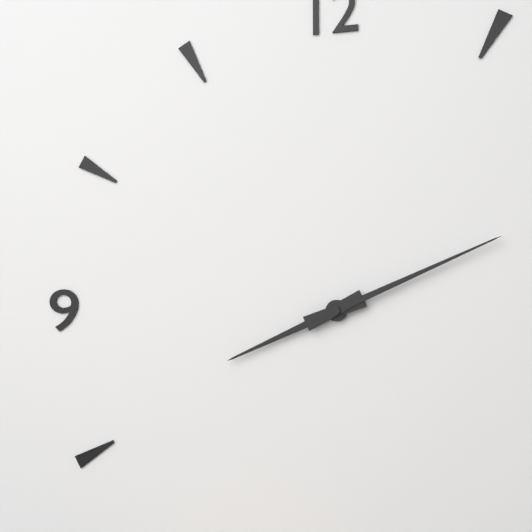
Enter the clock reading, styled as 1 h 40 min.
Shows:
8 h 11 min
